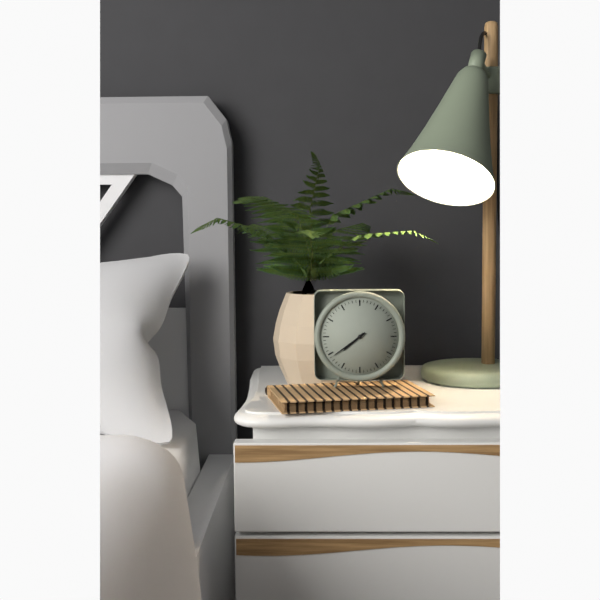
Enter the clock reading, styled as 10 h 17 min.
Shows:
7 h 39 min
